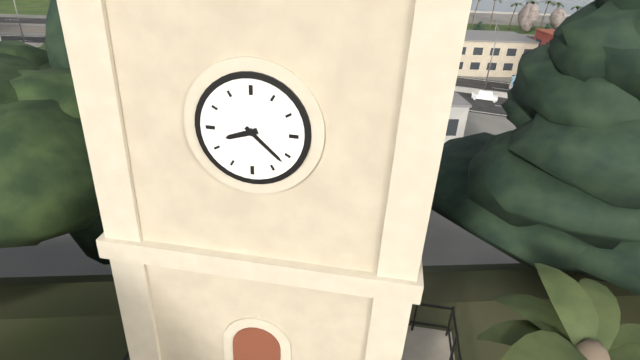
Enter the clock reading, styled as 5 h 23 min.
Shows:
8 h 22 min
